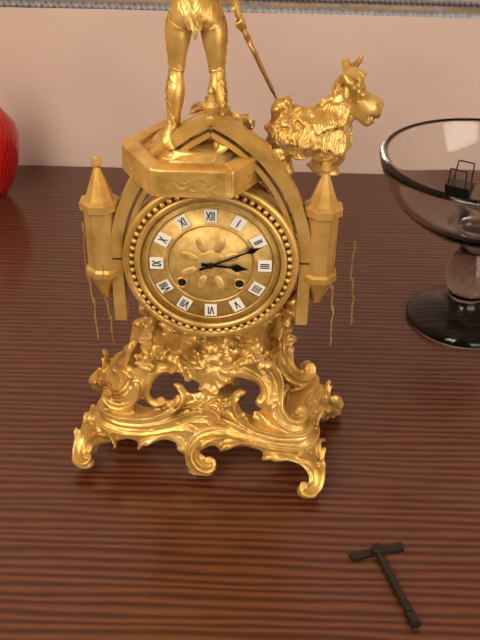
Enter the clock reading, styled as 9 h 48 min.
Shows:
3 h 11 min
